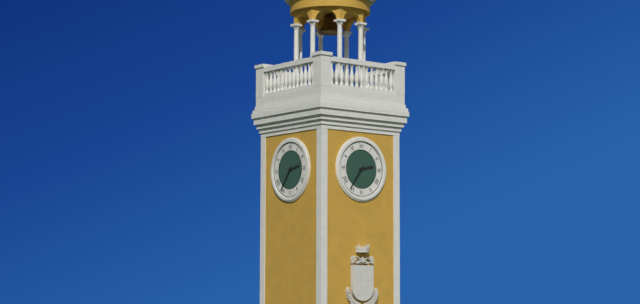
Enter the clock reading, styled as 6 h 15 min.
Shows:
2 h 36 min
